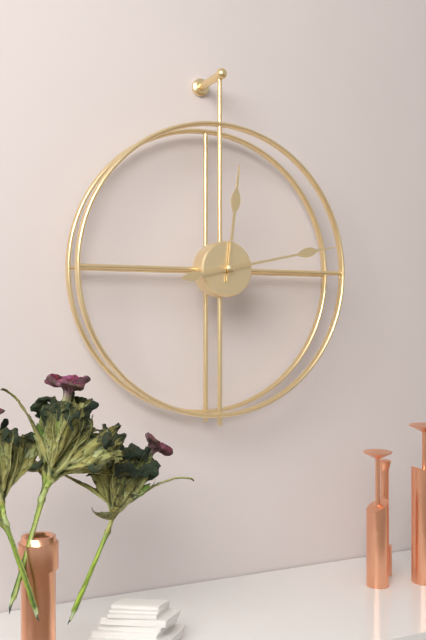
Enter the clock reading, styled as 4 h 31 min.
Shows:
12 h 13 min
